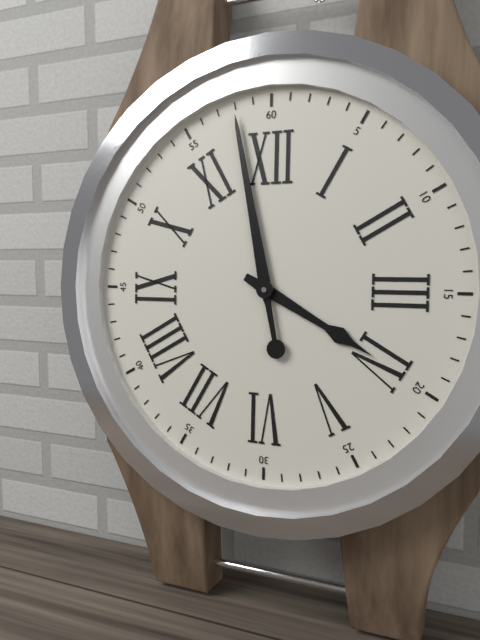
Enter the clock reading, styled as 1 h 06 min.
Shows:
3 h 58 min
